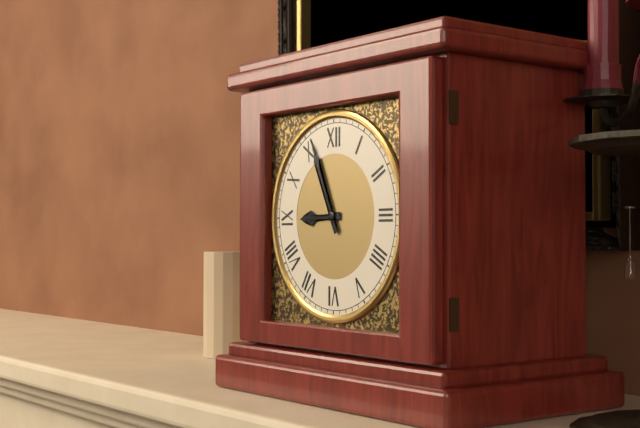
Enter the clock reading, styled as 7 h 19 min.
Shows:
8 h 56 min
